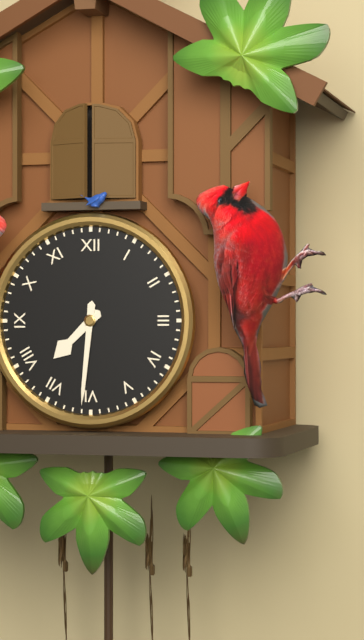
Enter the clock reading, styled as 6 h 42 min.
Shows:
7 h 31 min
